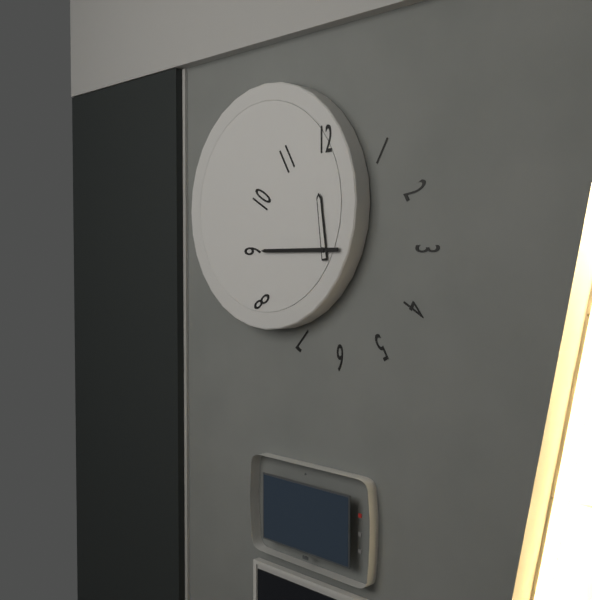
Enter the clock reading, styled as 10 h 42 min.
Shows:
11 h 45 min
